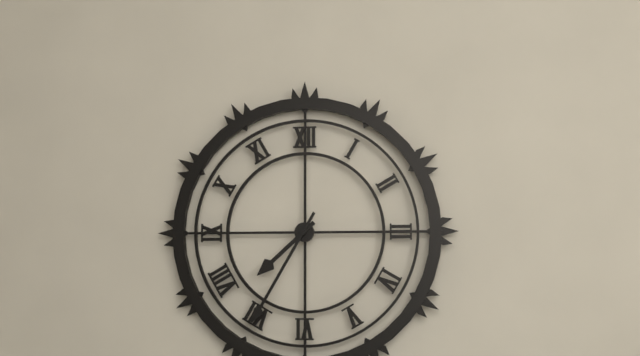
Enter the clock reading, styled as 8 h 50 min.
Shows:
7 h 35 min
